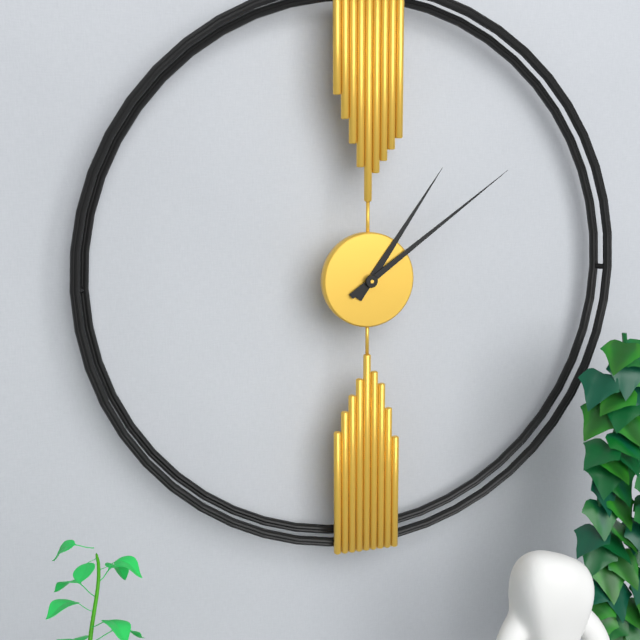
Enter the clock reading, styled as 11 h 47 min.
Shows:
1 h 09 min
